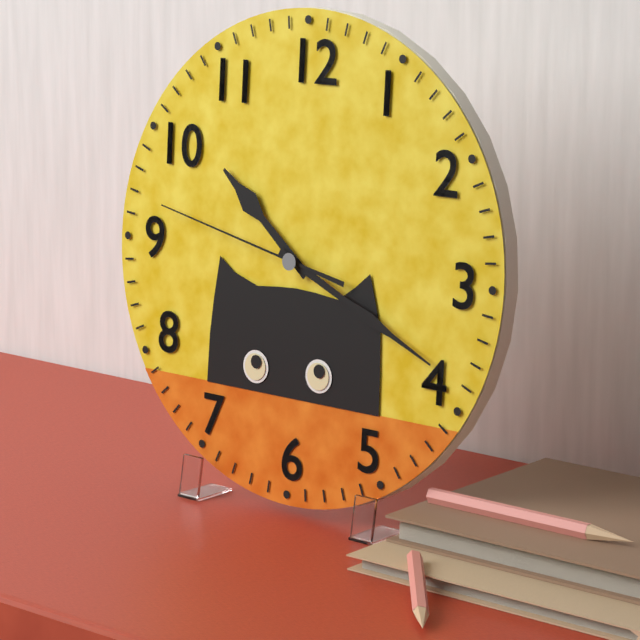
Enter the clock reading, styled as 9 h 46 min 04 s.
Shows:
10 h 19 min 47 s
